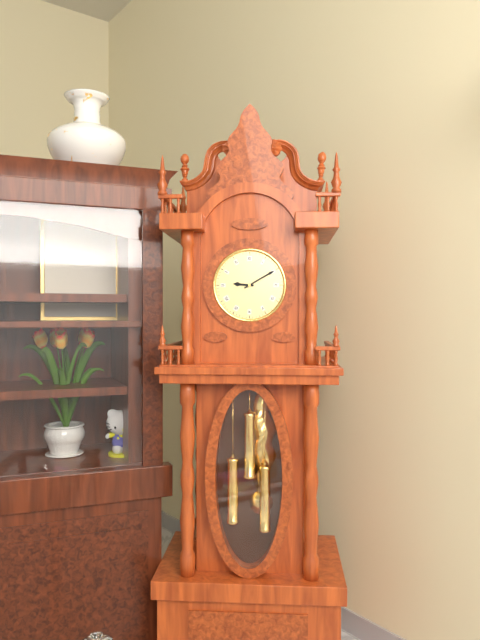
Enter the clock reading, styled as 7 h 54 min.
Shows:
9 h 10 min
